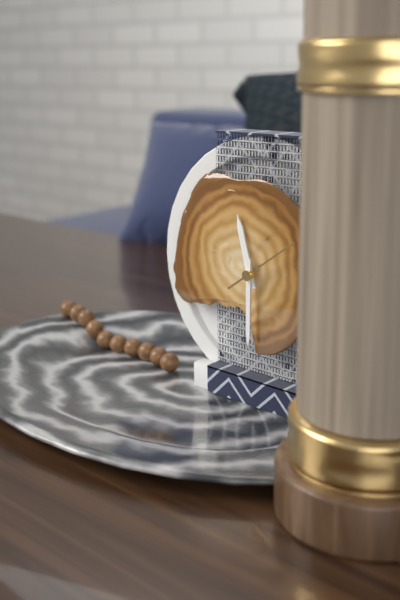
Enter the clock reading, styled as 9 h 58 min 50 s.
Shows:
11 h 30 min 09 s
